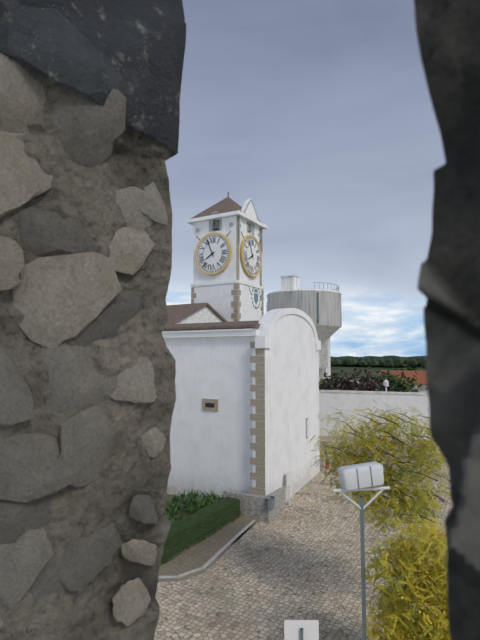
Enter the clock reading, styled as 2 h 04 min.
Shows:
7 h 56 min
